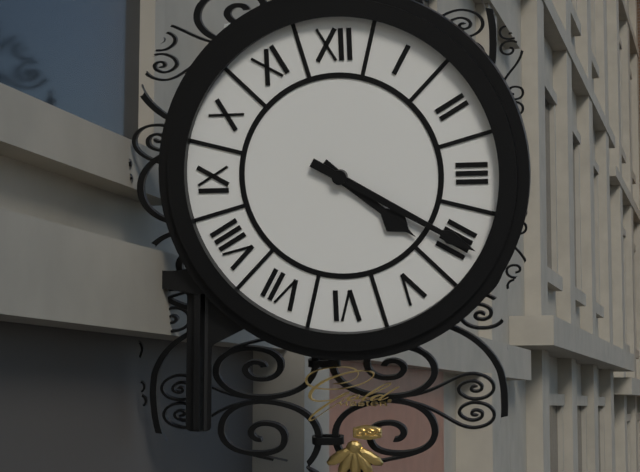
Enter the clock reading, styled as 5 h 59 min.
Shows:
4 h 20 min
